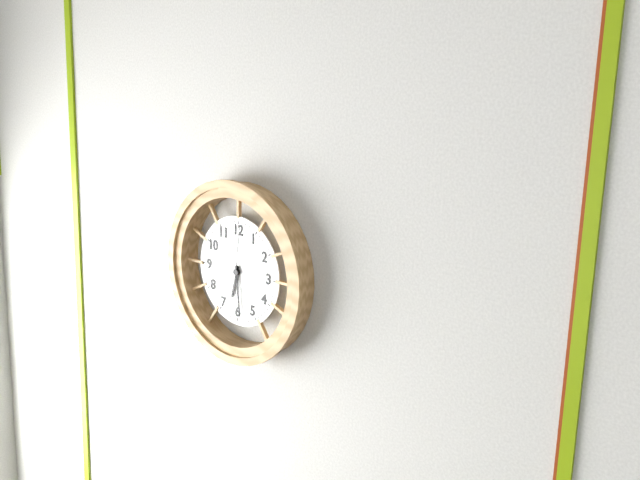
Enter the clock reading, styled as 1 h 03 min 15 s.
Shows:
6 h 29 min 01 s
